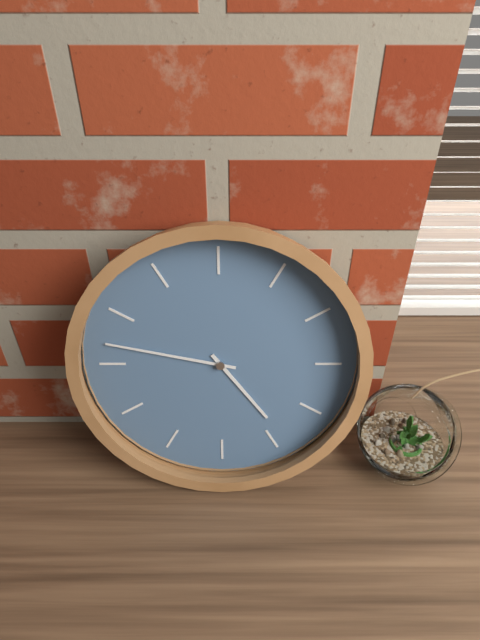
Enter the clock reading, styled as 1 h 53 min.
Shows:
4 h 47 min
